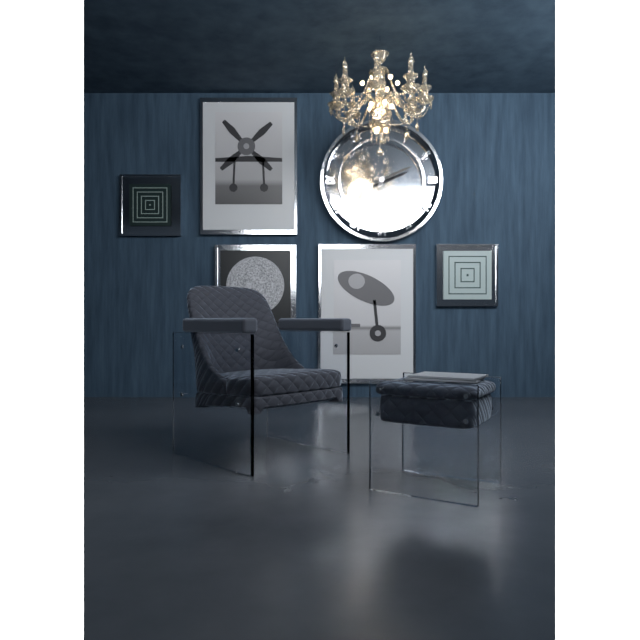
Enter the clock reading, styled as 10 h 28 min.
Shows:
2 h 11 min
